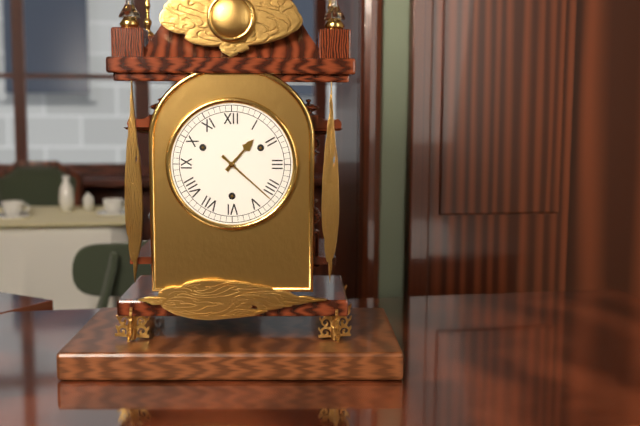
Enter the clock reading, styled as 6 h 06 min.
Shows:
1 h 22 min
